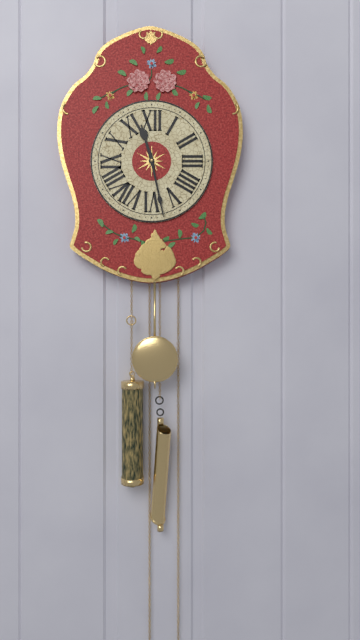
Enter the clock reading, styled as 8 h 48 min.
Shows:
11 h 28 min
